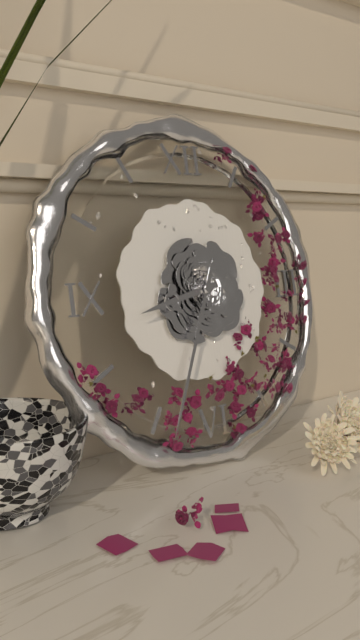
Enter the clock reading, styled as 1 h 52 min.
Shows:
8 h 34 min
